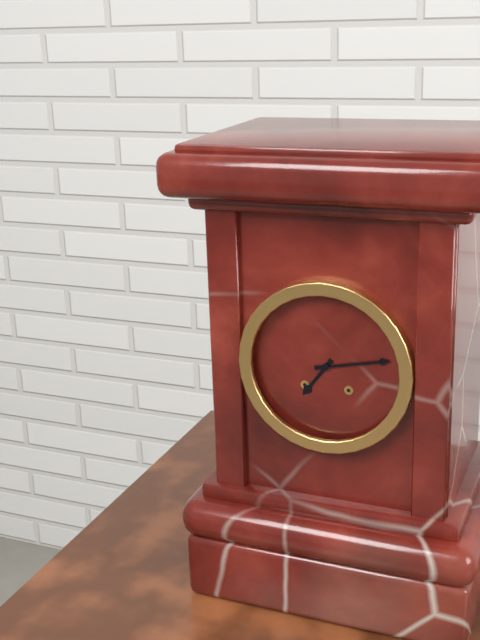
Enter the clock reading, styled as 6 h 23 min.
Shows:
7 h 13 min
